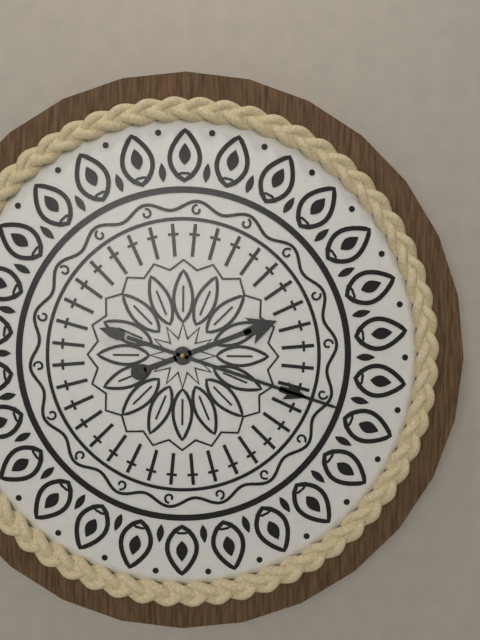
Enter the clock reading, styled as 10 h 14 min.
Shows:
2 h 18 min
